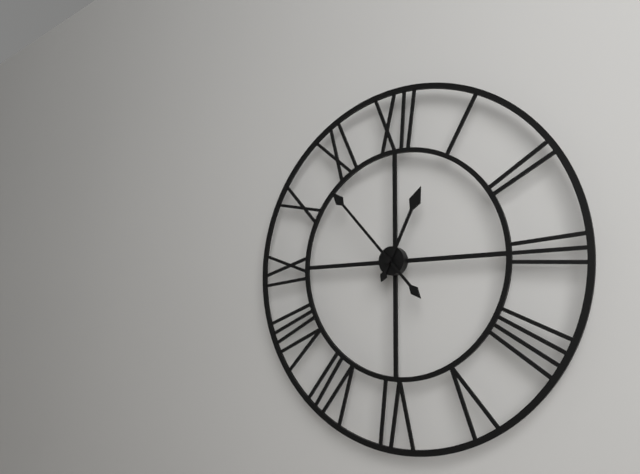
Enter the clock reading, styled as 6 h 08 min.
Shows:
12 h 53 min
